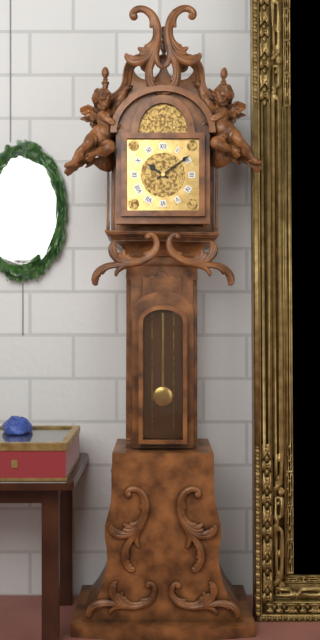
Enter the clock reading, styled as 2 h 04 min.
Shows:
10 h 09 min
